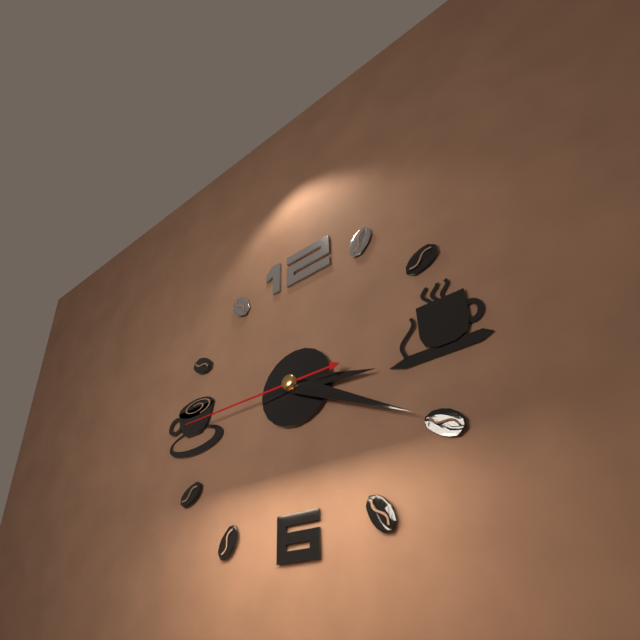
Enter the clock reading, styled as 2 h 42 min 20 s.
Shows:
3 h 20 min 45 s
